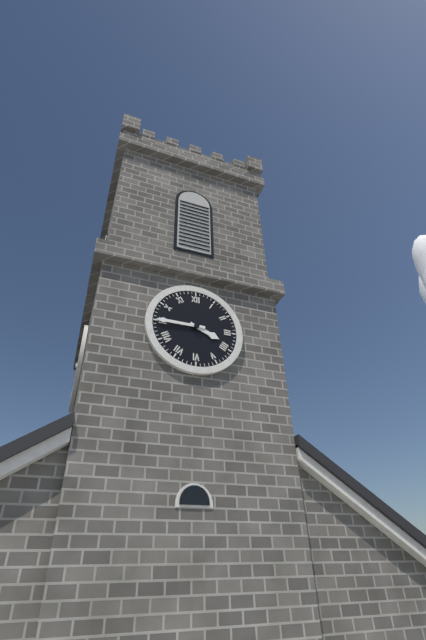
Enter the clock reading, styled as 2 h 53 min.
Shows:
3 h 45 min
